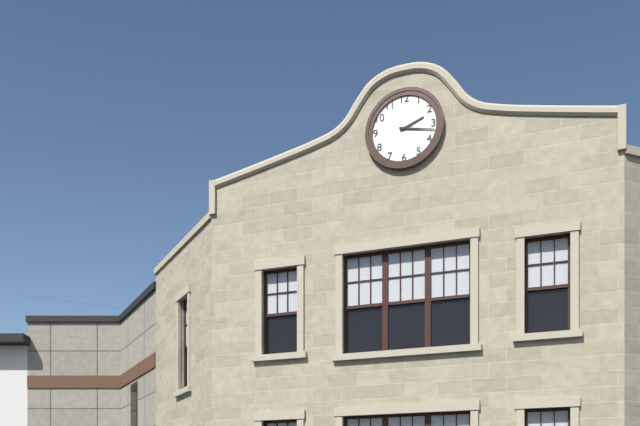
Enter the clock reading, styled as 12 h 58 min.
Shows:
2 h 17 min
